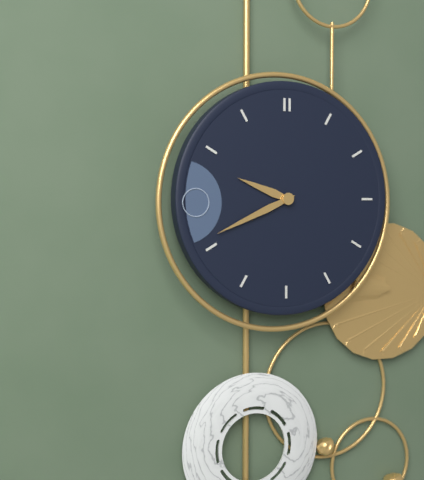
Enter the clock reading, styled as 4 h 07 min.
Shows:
9 h 41 min
